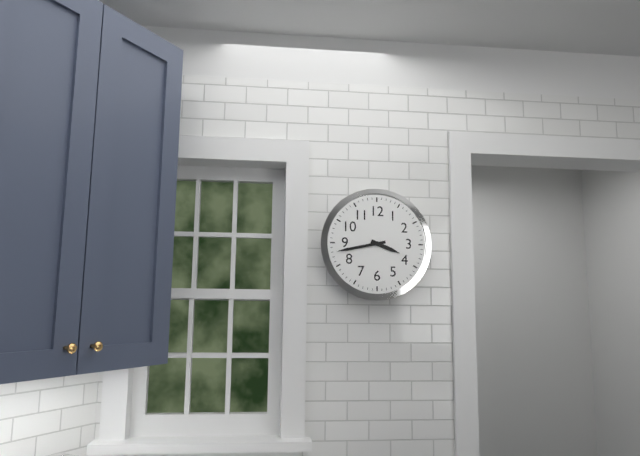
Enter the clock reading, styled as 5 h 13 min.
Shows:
3 h 43 min
